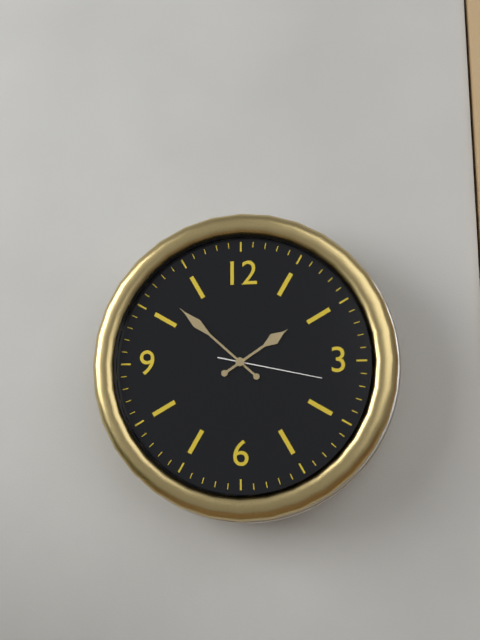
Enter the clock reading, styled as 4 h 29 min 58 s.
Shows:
1 h 52 min 17 s
